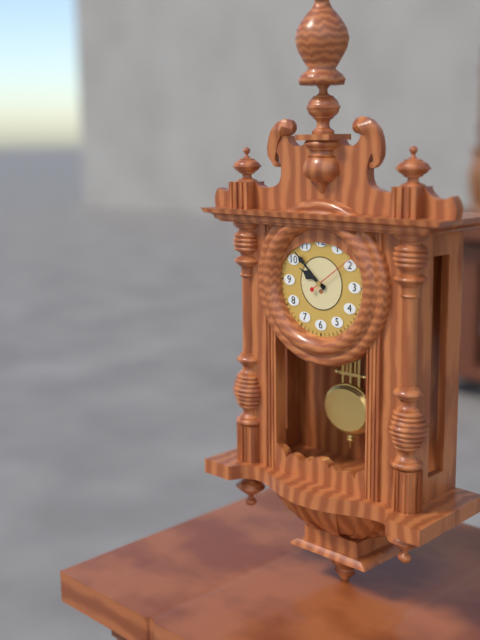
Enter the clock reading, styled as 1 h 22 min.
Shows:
9 h 52 min
